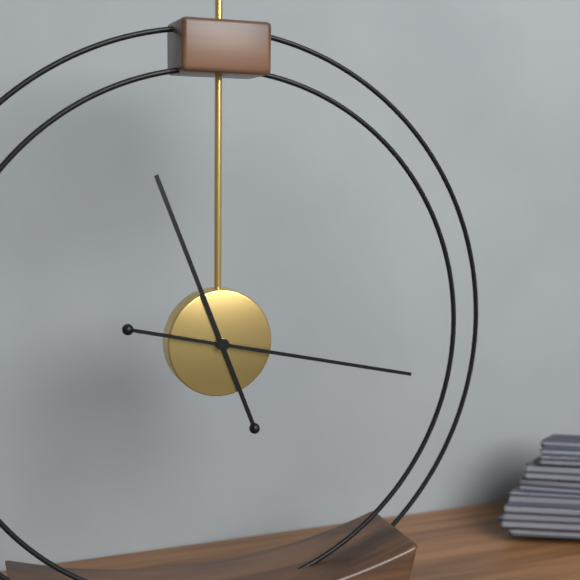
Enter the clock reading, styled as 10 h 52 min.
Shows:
11 h 17 min
